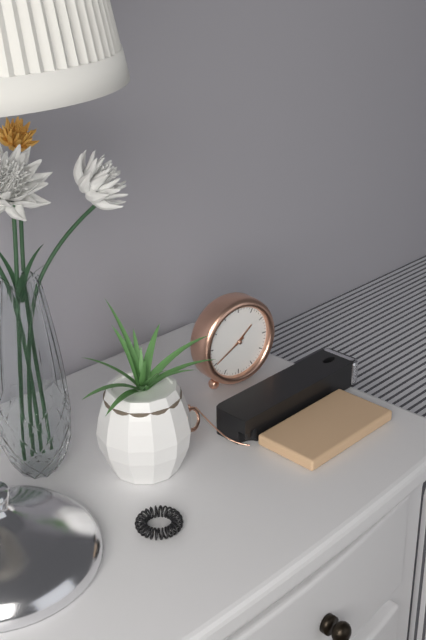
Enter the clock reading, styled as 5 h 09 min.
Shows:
1 h 40 min
